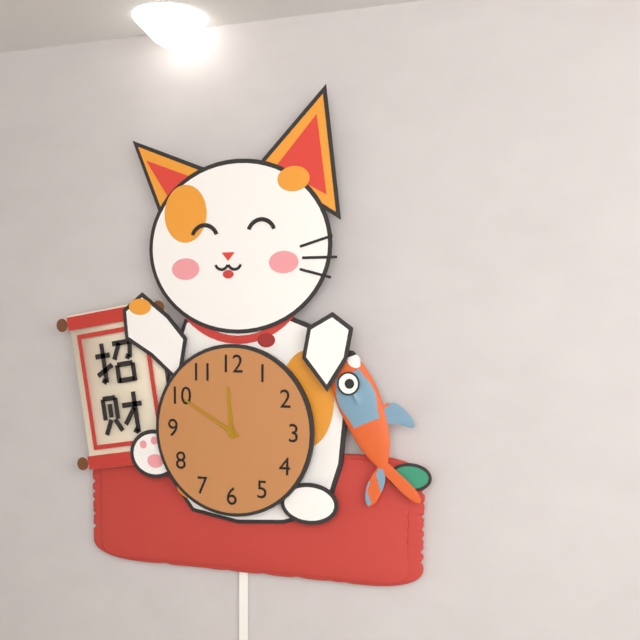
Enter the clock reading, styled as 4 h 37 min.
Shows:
11 h 50 min
